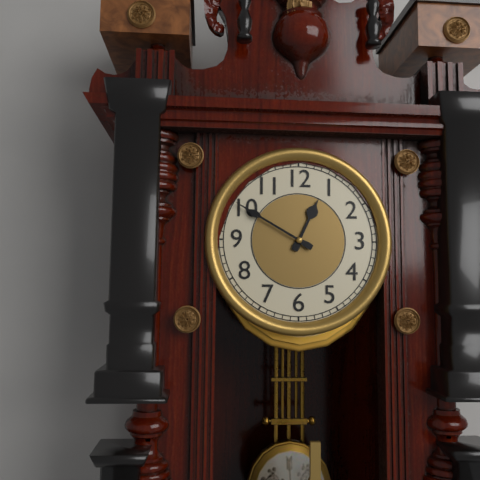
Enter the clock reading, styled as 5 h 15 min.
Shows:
12 h 50 min
